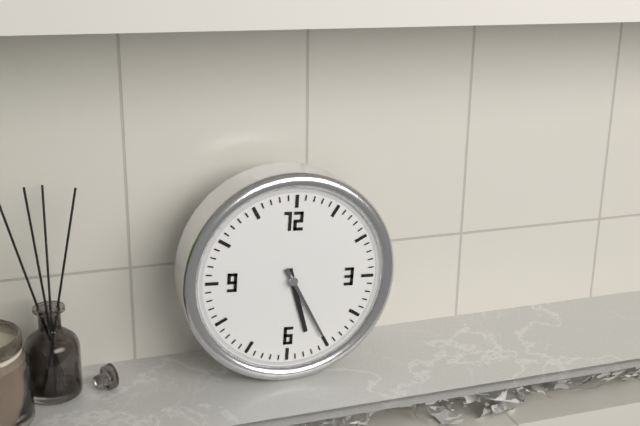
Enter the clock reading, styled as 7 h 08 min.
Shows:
5 h 25 min
